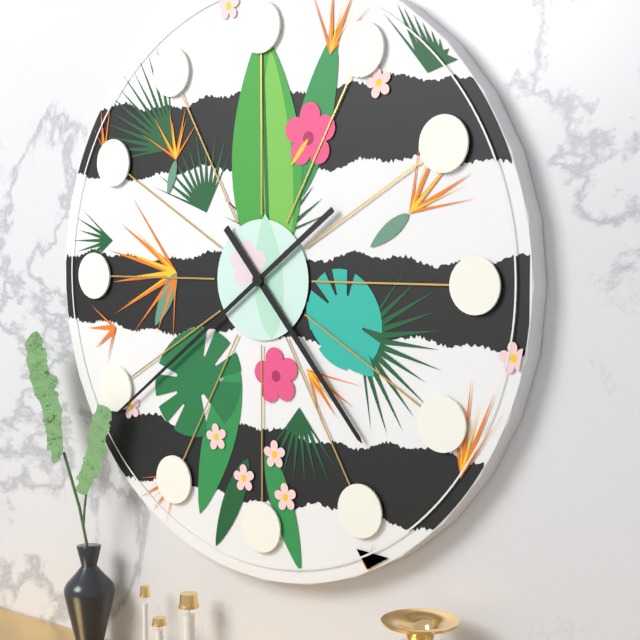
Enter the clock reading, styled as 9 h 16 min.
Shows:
4 h 39 min
